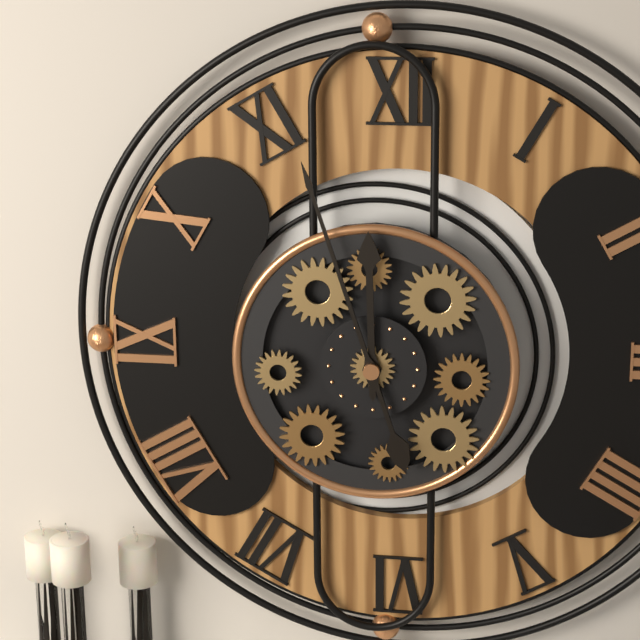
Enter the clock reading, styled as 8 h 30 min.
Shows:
11 h 57 min
